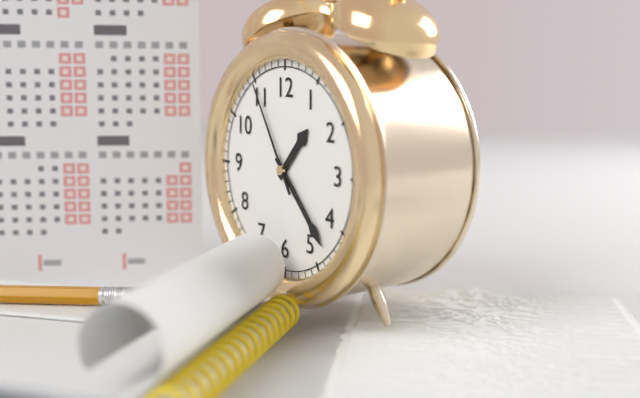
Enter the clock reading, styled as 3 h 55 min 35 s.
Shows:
1 h 23 min 55 s
